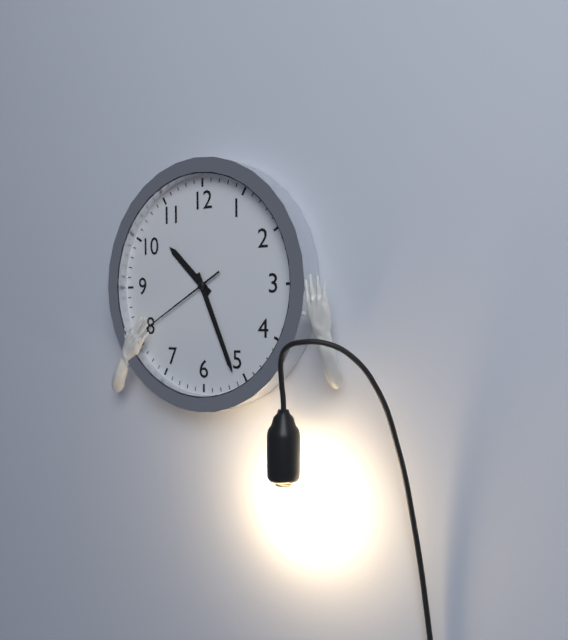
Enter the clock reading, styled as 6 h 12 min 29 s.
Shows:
10 h 26 min 40 s
